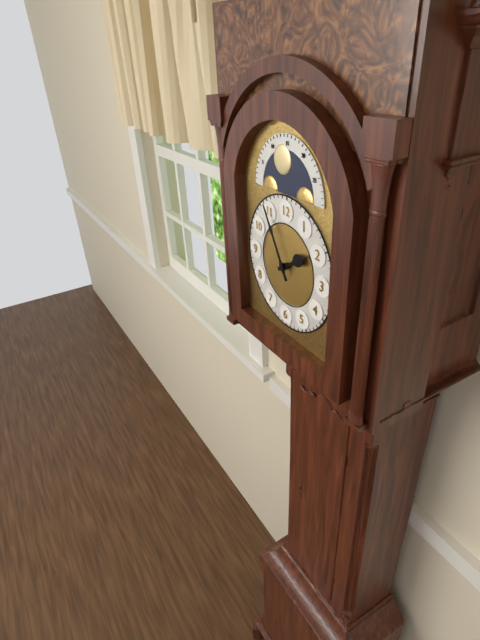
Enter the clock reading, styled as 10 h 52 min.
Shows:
1 h 55 min
